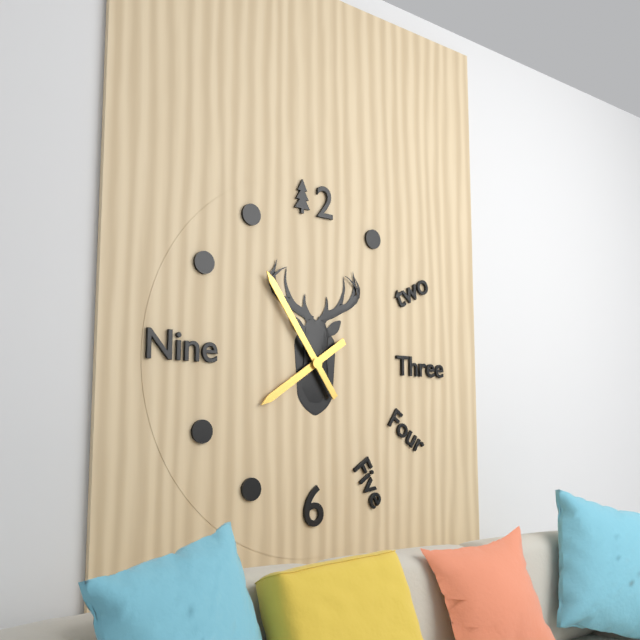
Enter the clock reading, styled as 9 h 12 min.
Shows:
7 h 54 min
